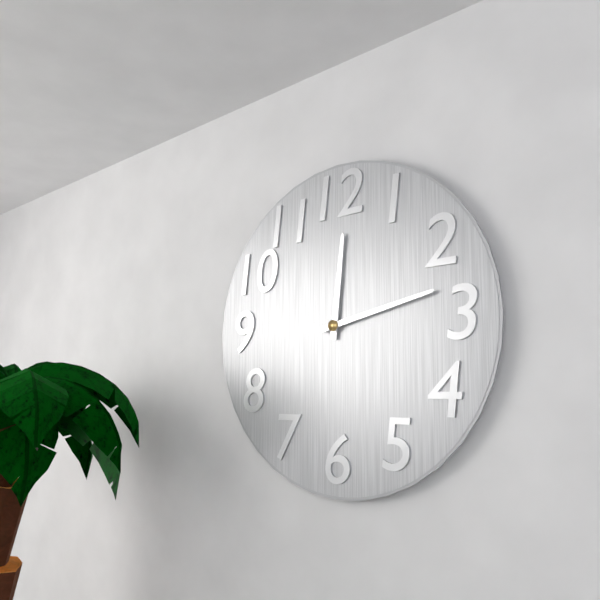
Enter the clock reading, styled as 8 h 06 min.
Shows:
12 h 13 min
